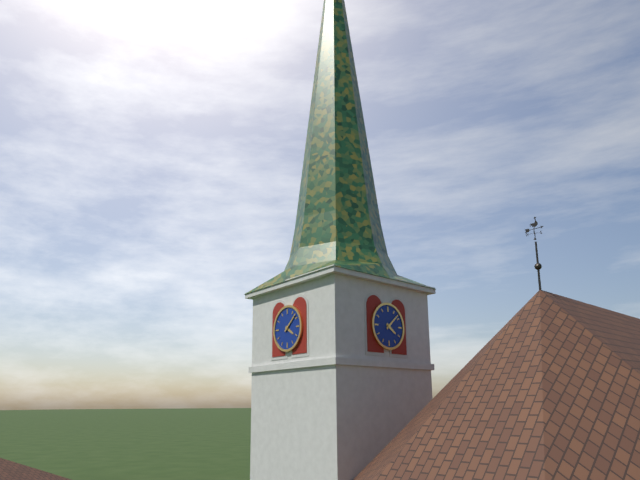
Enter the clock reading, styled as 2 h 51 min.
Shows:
4 h 08 min
